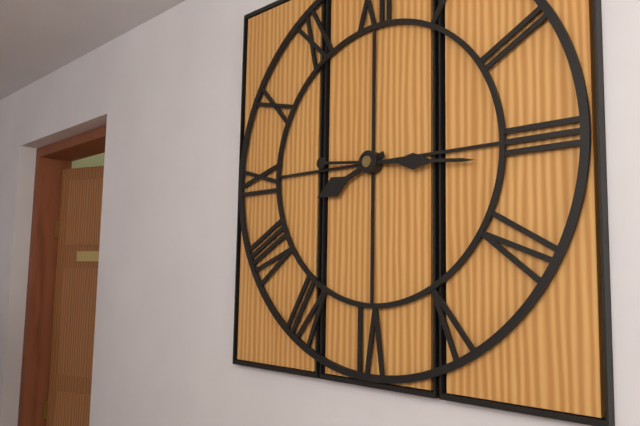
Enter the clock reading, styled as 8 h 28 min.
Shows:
8 h 16 min
